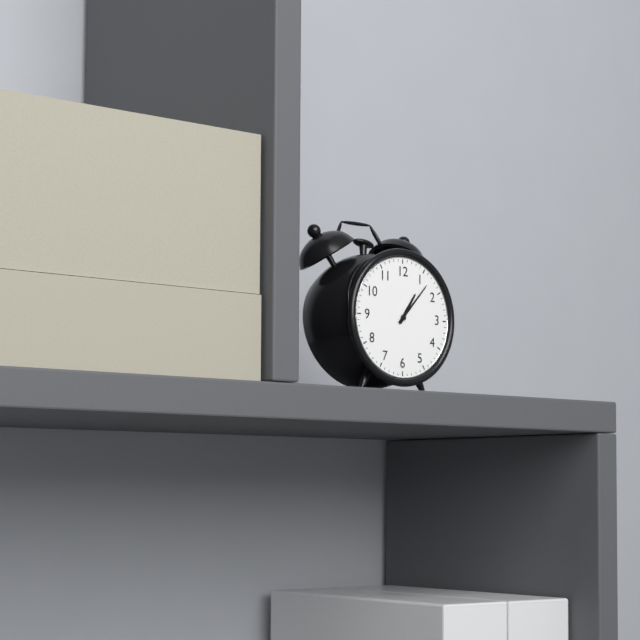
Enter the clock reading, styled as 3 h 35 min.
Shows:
1 h 07 min
